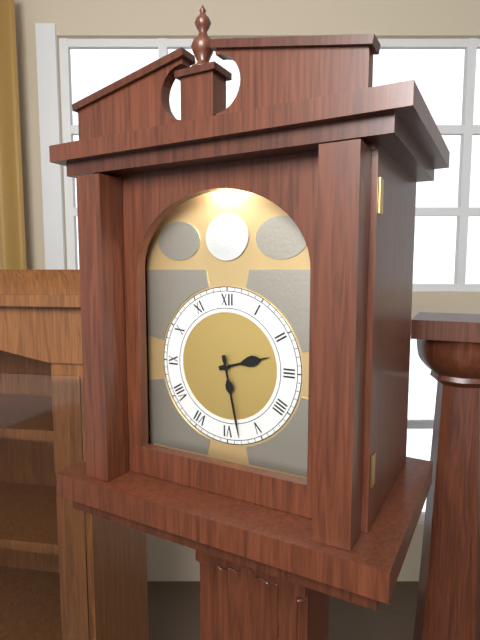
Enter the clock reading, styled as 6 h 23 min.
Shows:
2 h 28 min
